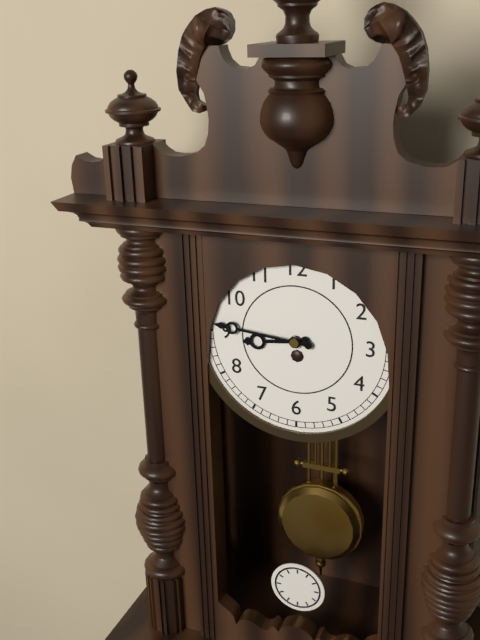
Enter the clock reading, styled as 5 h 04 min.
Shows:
8 h 46 min
